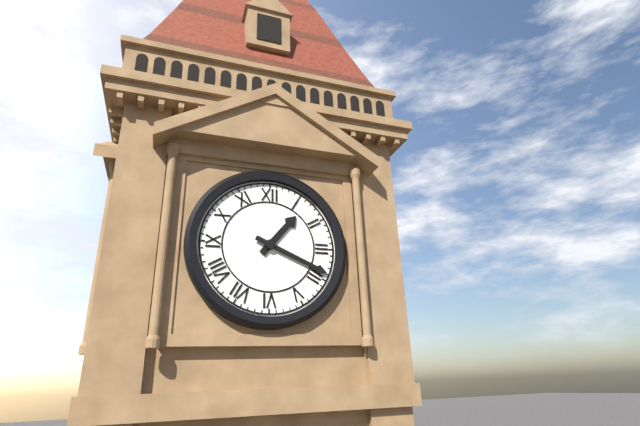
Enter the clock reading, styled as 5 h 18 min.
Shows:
1 h 19 min
